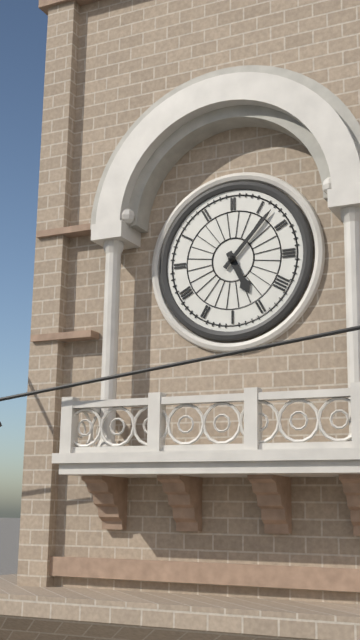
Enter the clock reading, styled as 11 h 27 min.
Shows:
5 h 07 min
